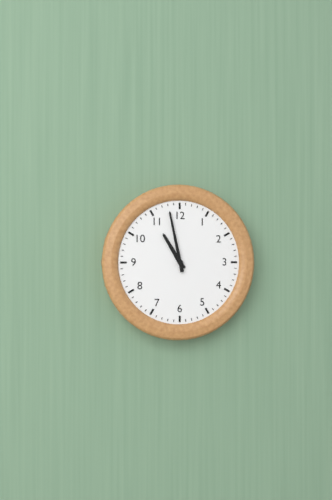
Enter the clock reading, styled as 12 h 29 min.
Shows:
10 h 58 min
